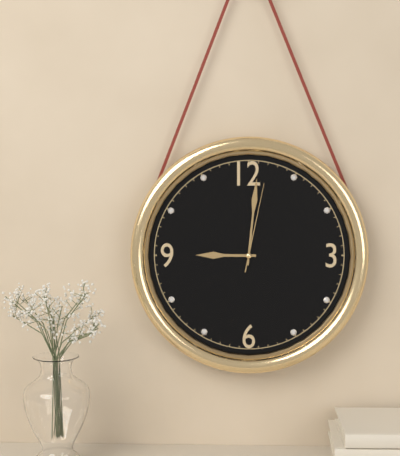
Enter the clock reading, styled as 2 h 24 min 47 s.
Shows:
9 h 01 min 02 s
